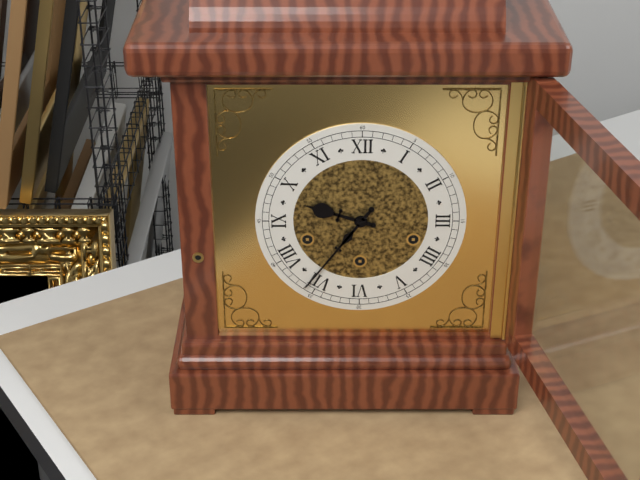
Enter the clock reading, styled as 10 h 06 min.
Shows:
9 h 36 min
